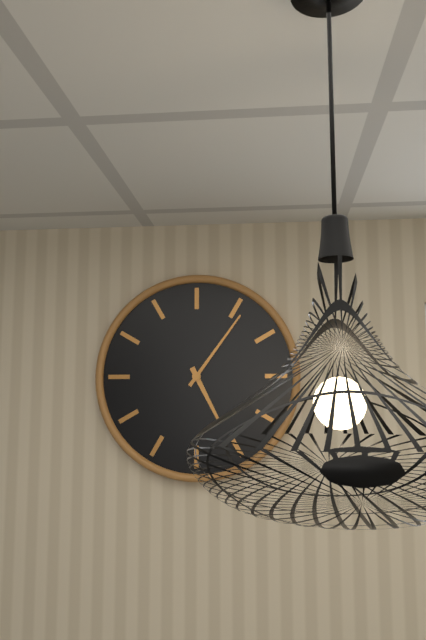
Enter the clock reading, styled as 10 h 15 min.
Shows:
5 h 06 min
